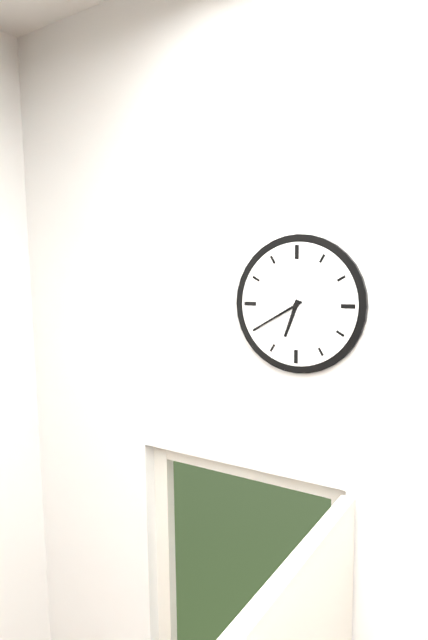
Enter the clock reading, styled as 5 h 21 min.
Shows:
6 h 40 min
